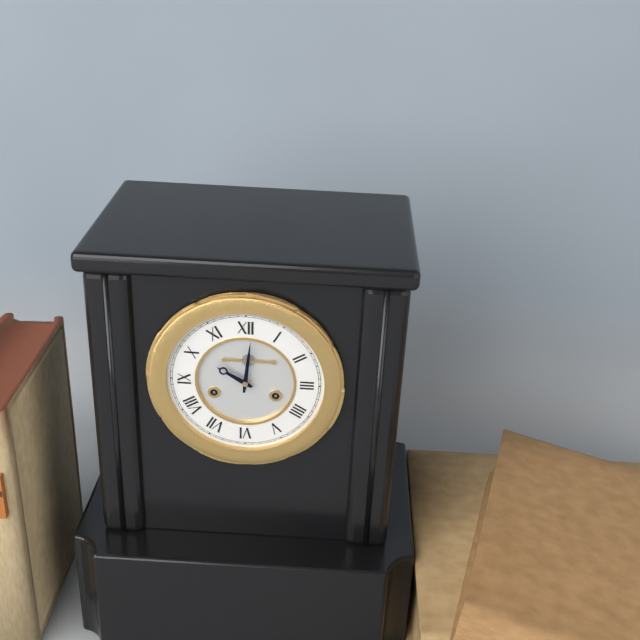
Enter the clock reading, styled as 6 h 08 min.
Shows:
10 h 01 min
